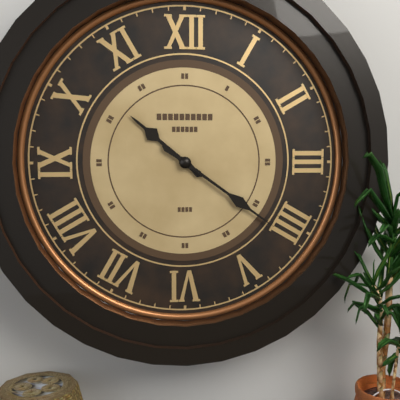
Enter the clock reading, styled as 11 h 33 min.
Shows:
10 h 21 min
